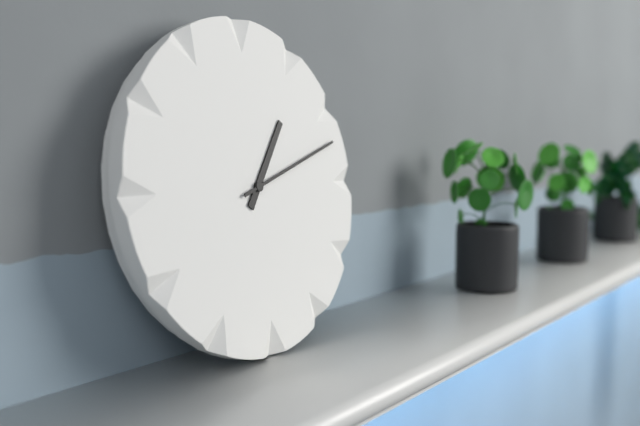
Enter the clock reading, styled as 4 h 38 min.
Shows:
1 h 12 min
